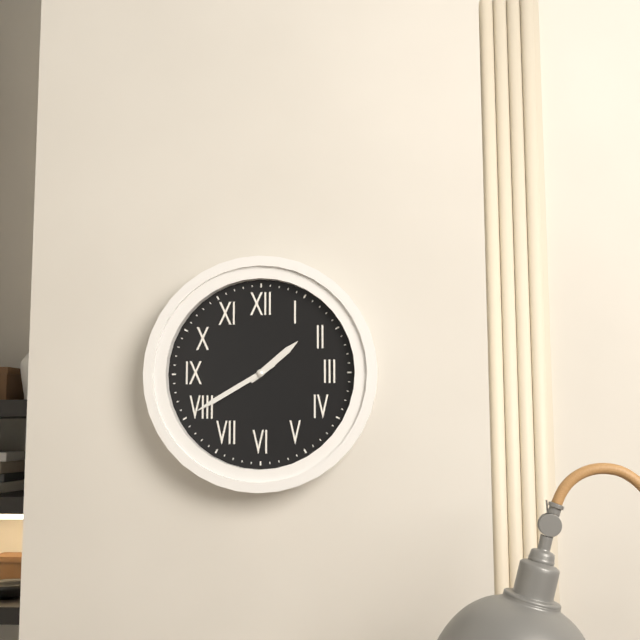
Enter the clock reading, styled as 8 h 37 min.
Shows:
1 h 40 min
